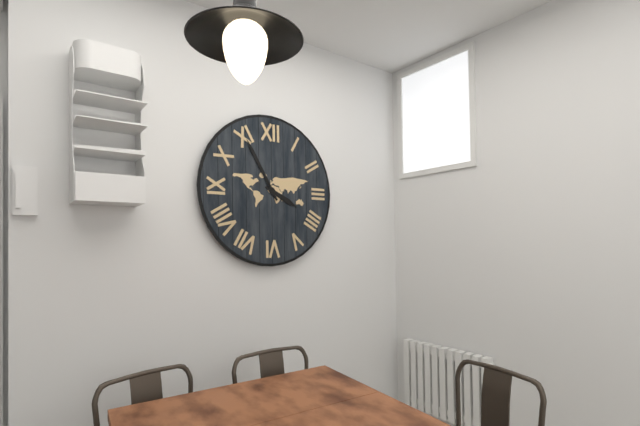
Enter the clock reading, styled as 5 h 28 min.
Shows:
3 h 55 min
